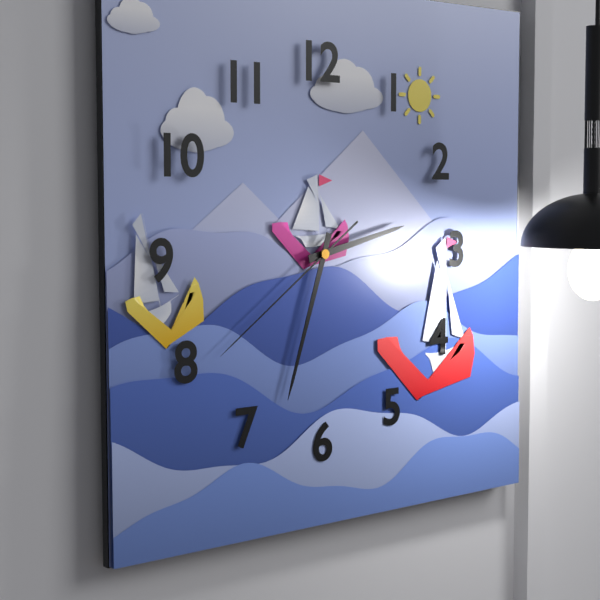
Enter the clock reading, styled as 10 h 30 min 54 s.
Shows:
2 h 33 min 39 s
